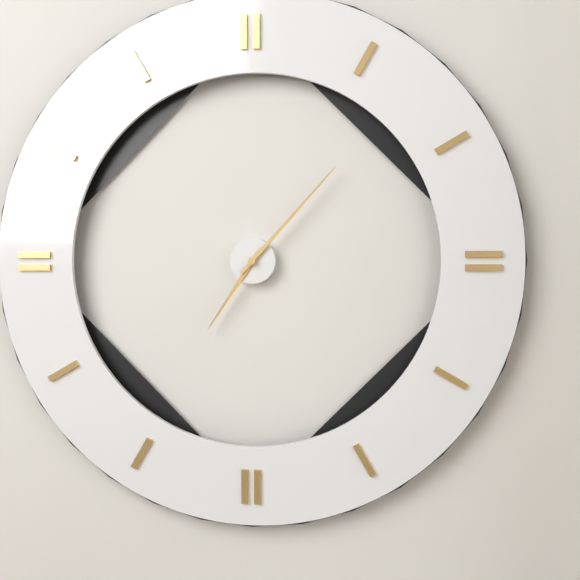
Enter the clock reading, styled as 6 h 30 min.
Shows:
7 h 07 min
